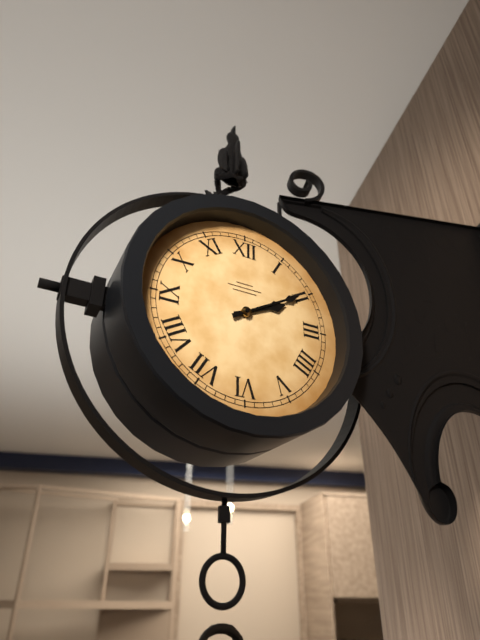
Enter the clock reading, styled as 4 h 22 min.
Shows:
2 h 10 min
